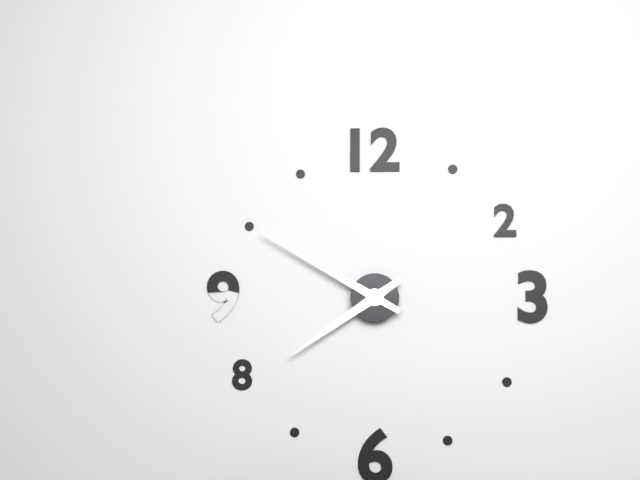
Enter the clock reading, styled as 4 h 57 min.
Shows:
7 h 50 min
